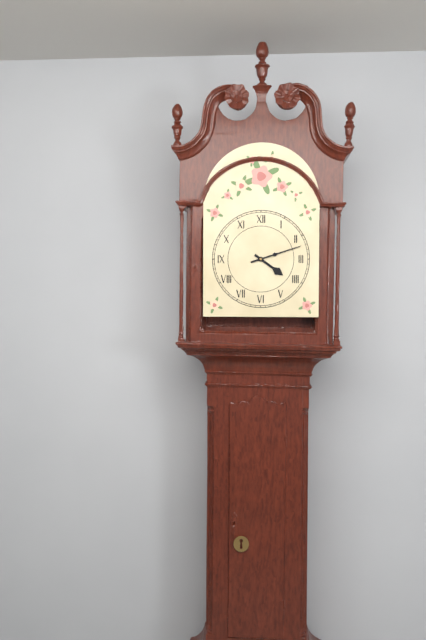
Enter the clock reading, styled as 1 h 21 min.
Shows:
4 h 12 min
